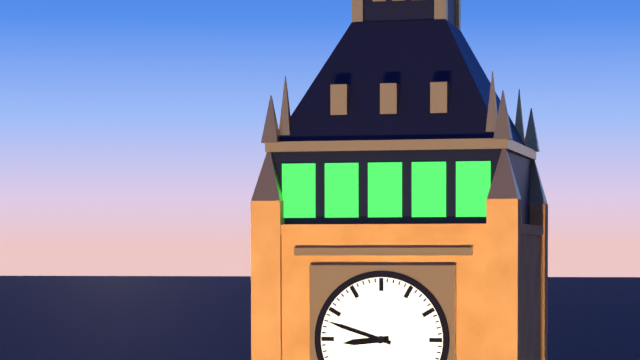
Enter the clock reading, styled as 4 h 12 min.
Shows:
8 h 48 min
